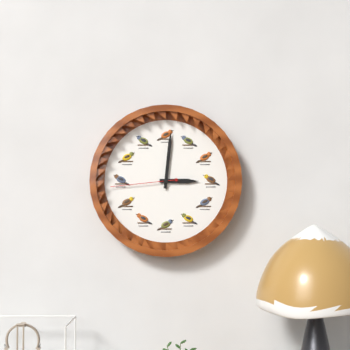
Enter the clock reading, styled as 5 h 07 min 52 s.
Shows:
3 h 01 min 44 s
